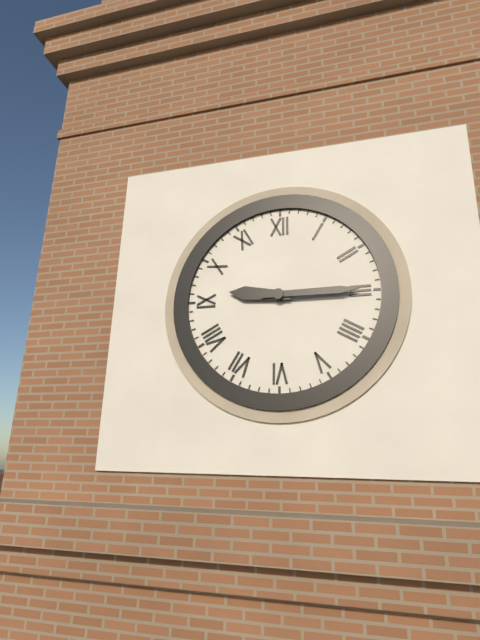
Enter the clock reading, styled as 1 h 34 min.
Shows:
9 h 15 min
